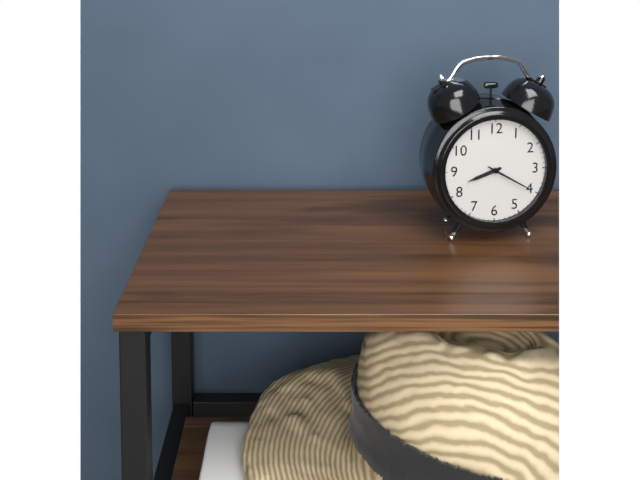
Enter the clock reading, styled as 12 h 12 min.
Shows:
8 h 20 min
